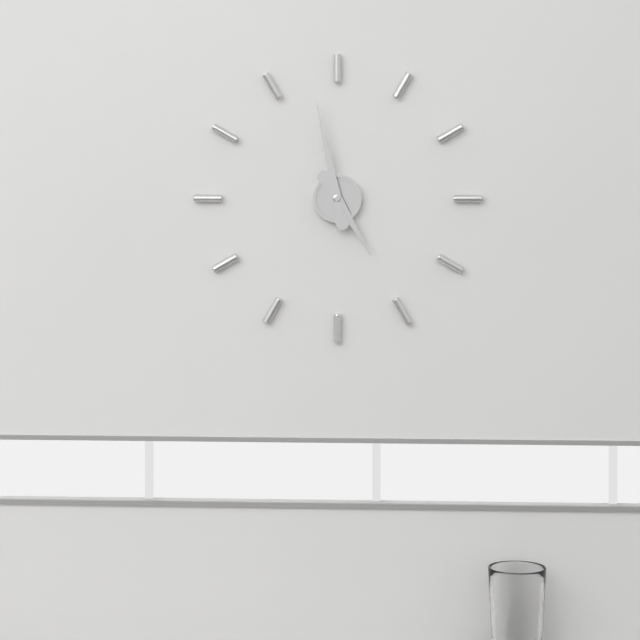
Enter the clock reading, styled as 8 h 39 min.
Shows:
4 h 58 min
